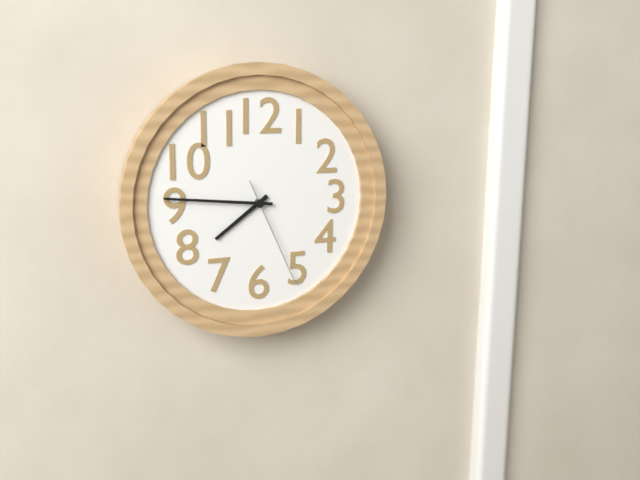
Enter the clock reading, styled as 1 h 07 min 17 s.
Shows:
7 h 46 min 26 s
